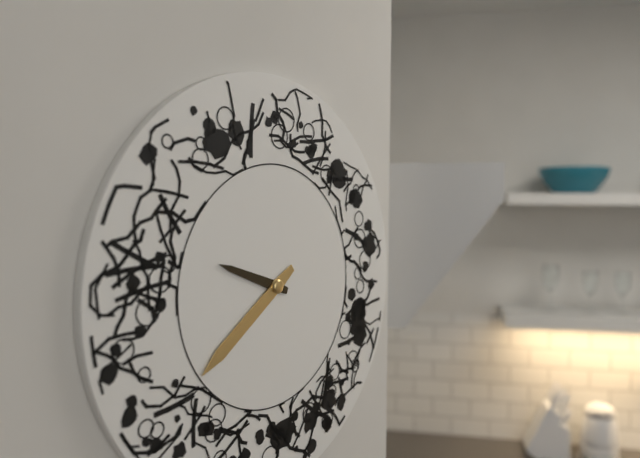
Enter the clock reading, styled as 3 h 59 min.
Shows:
9 h 39 min
